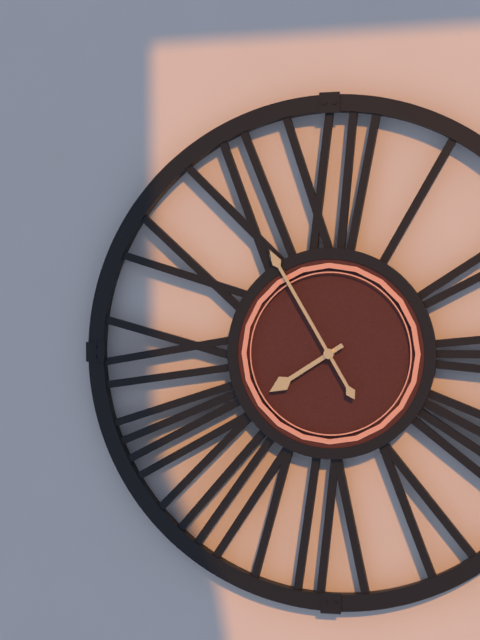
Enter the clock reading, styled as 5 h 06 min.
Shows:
7 h 55 min
